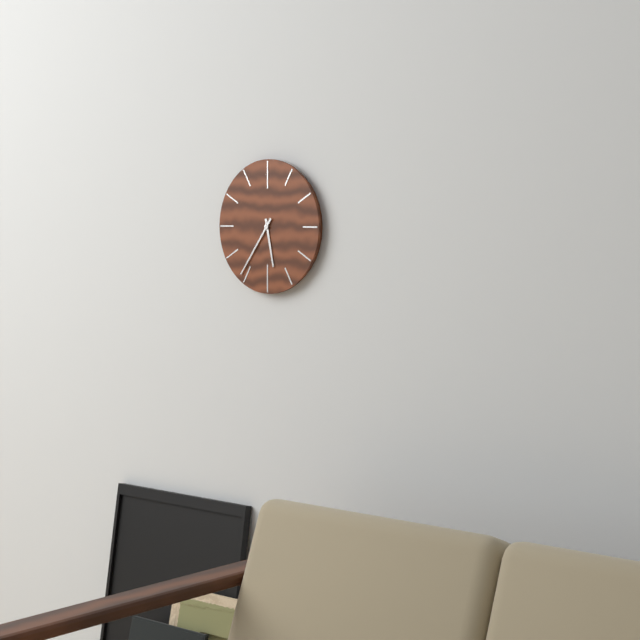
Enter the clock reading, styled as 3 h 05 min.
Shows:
5 h 36 min
